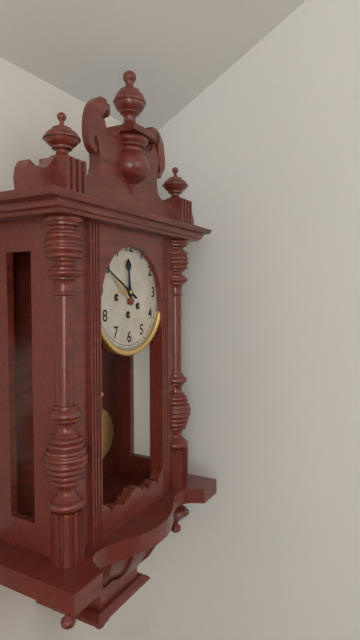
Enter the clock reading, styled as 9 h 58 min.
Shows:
11 h 50 min
